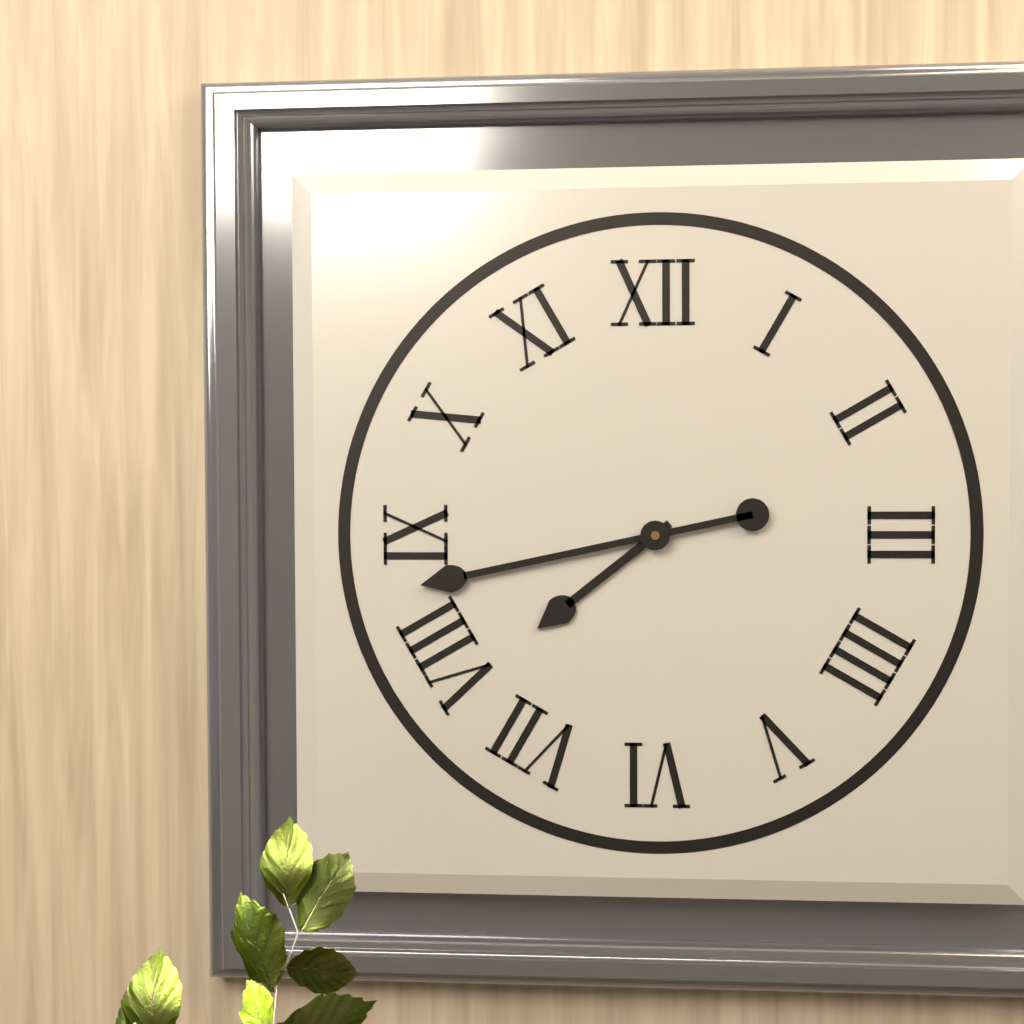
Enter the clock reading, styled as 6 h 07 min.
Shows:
7 h 43 min
